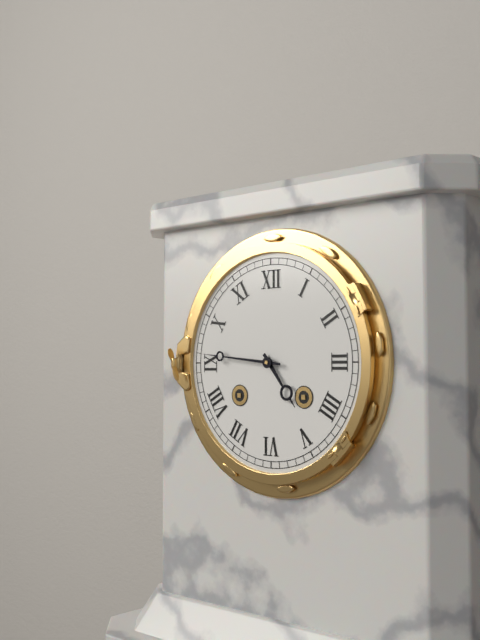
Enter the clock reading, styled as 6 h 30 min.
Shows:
4 h 46 min
